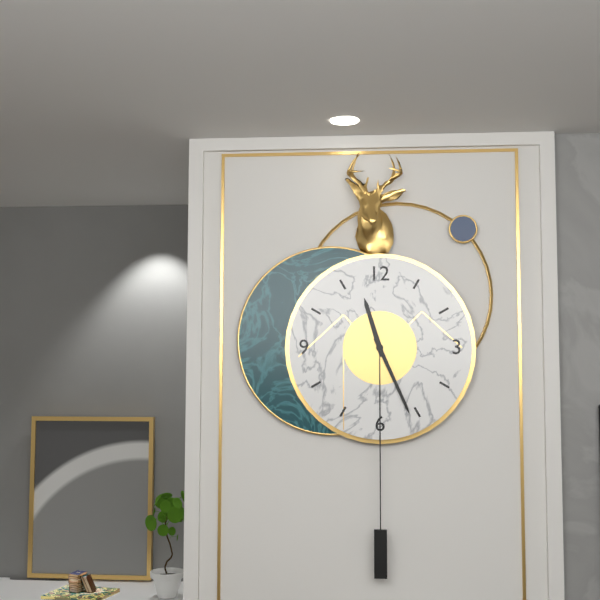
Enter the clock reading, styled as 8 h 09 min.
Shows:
11 h 26 min
